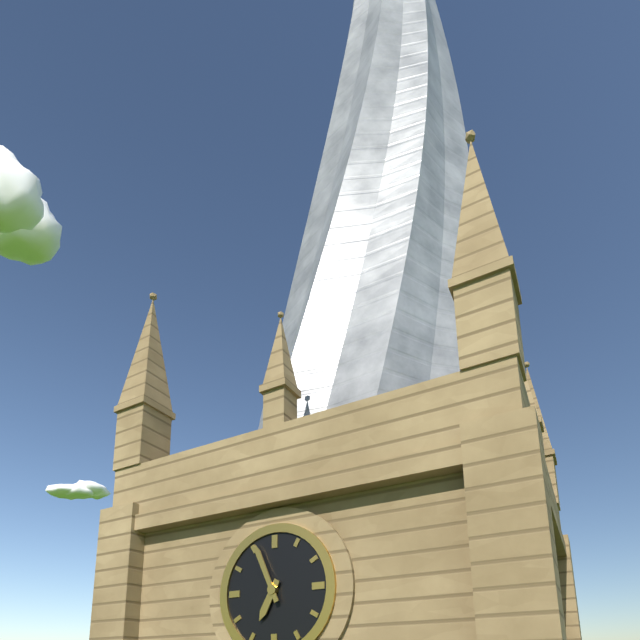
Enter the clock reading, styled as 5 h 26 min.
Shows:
6 h 56 min
